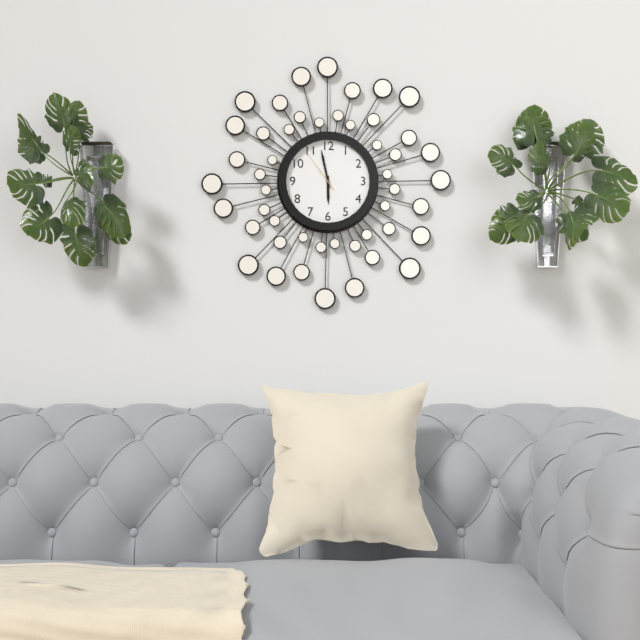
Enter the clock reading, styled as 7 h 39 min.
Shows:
5 h 58 min
